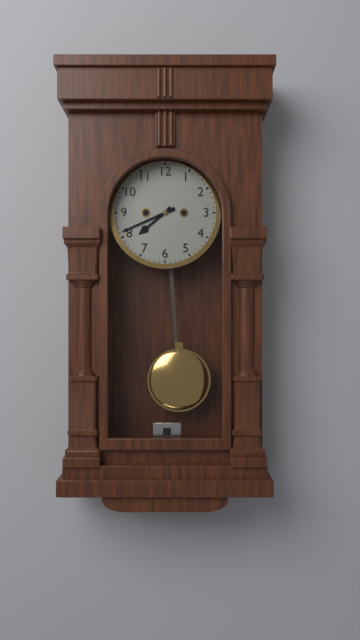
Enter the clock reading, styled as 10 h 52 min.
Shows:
7 h 41 min
